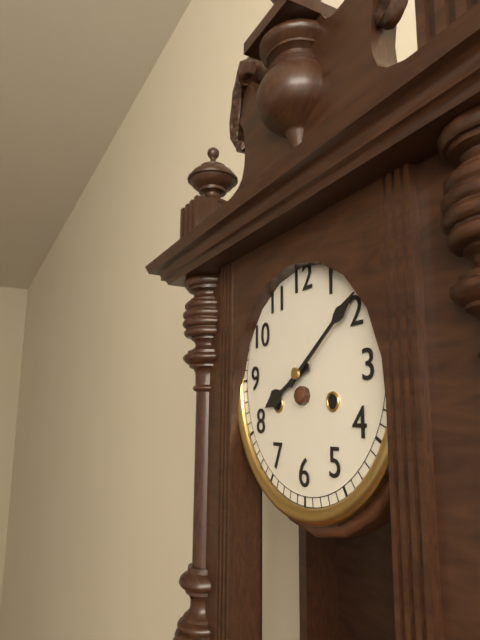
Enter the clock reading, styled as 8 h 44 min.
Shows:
8 h 09 min
